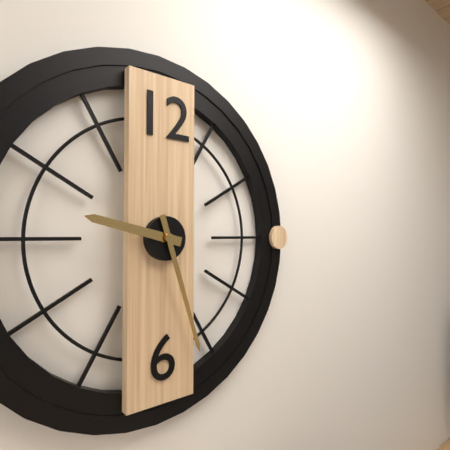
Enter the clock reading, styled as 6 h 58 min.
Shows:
9 h 27 min
